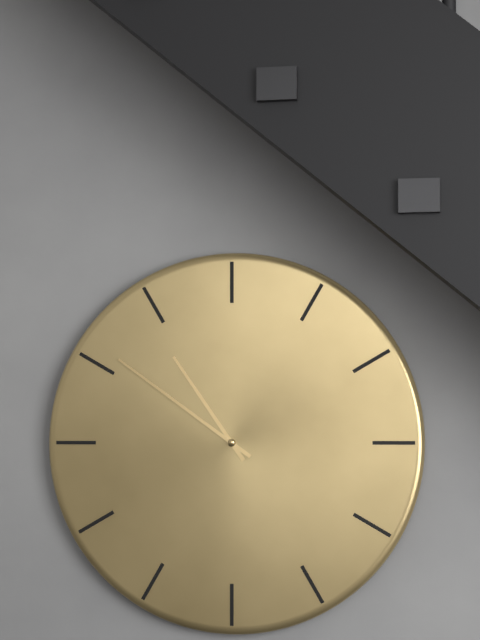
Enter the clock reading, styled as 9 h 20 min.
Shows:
10 h 51 min
